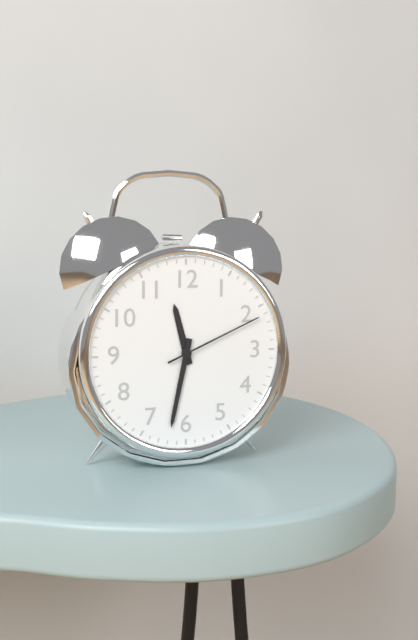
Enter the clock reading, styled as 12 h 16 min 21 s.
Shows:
11 h 32 min 11 s
